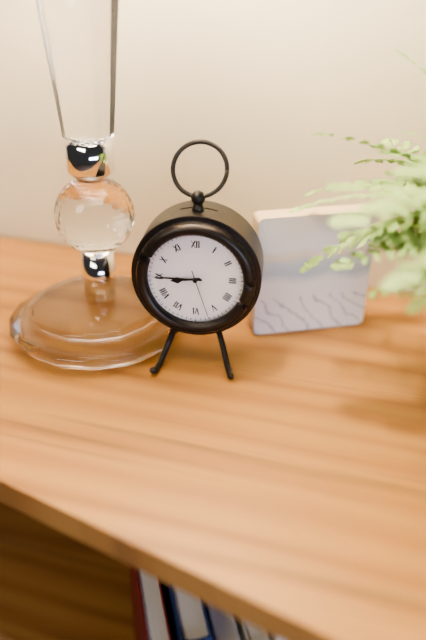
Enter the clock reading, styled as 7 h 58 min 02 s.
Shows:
8 h 45 min 27 s
